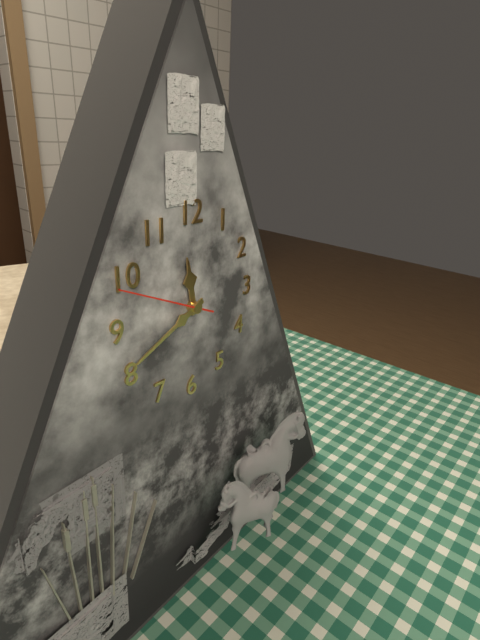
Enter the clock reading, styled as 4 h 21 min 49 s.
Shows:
11 h 41 min 49 s
